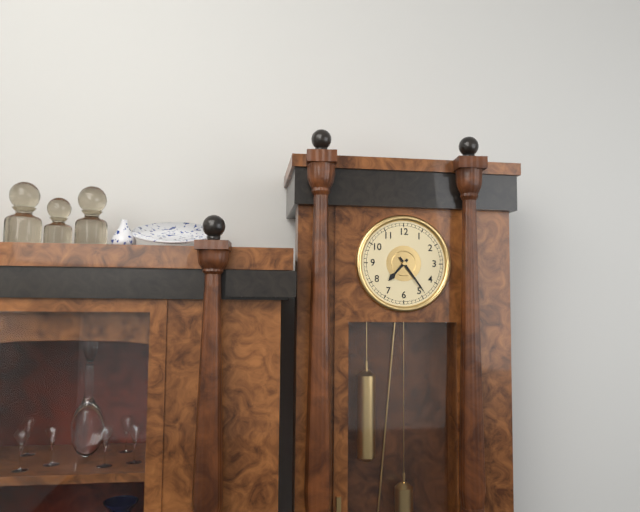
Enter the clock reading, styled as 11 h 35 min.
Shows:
7 h 24 min
